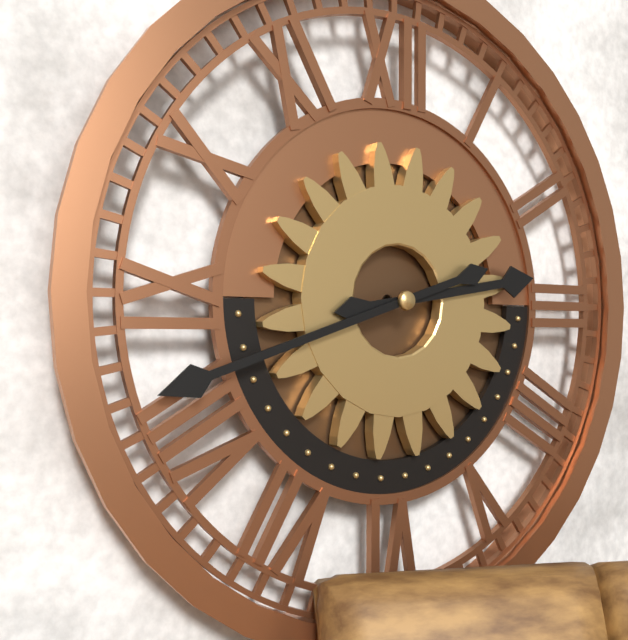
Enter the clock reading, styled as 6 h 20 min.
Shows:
2 h 42 min
